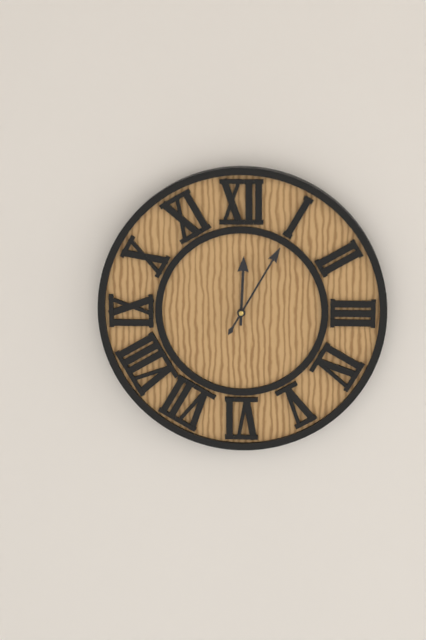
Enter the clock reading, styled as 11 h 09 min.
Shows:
12 h 05 min
